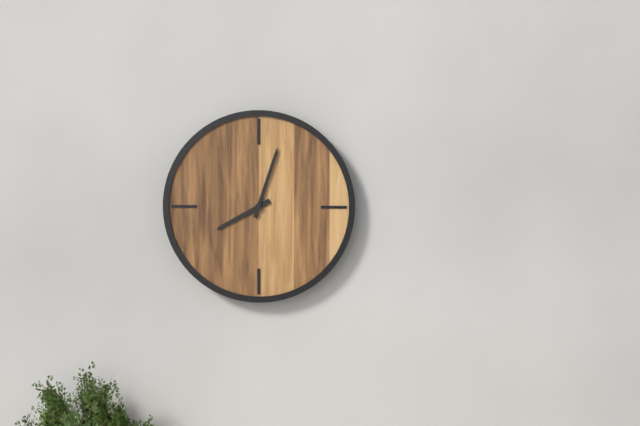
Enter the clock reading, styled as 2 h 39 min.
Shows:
8 h 03 min
